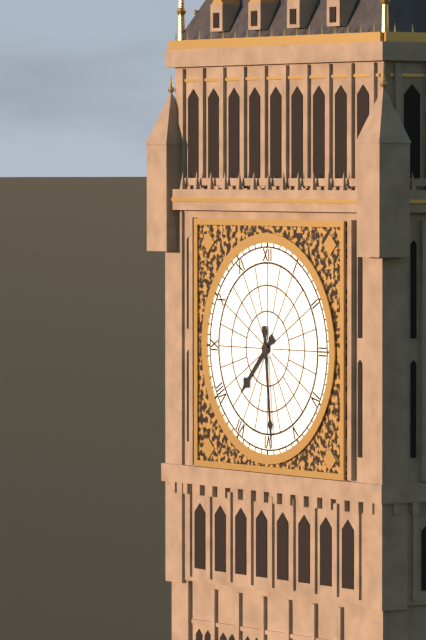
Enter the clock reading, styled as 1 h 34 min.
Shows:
7 h 29 min
